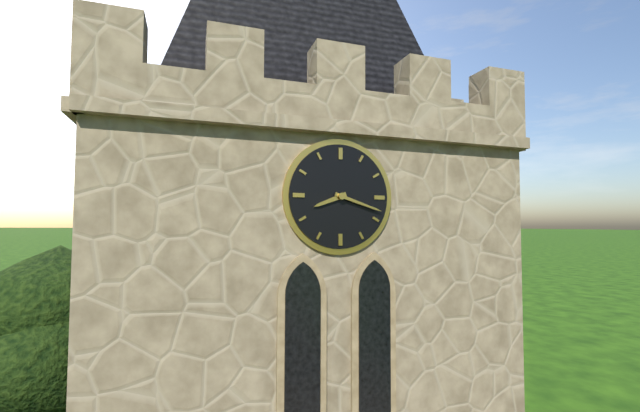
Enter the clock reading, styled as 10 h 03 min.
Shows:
8 h 18 min
